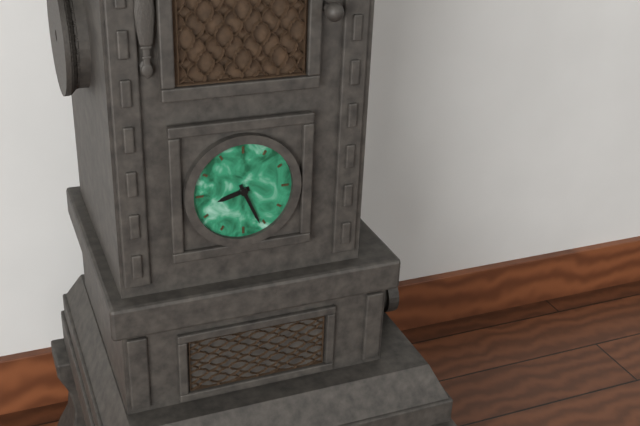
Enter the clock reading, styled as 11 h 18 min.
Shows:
8 h 26 min
